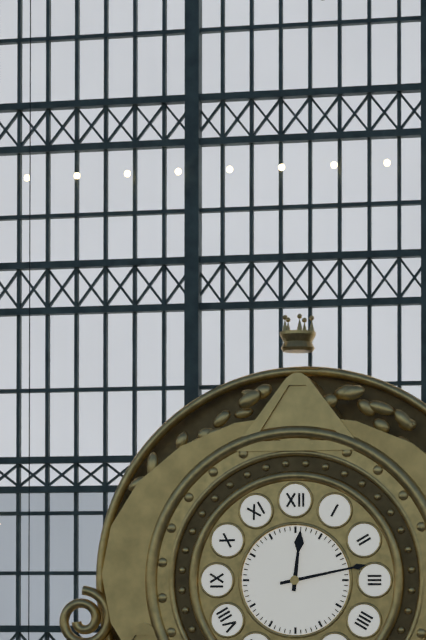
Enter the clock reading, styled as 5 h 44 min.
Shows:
12 h 13 min
